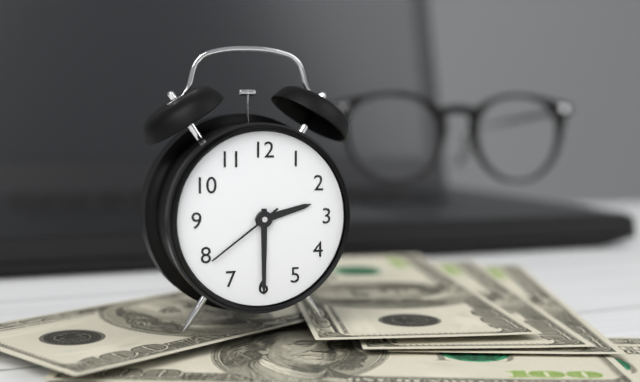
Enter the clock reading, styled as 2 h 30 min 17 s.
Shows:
2 h 30 min 39 s
